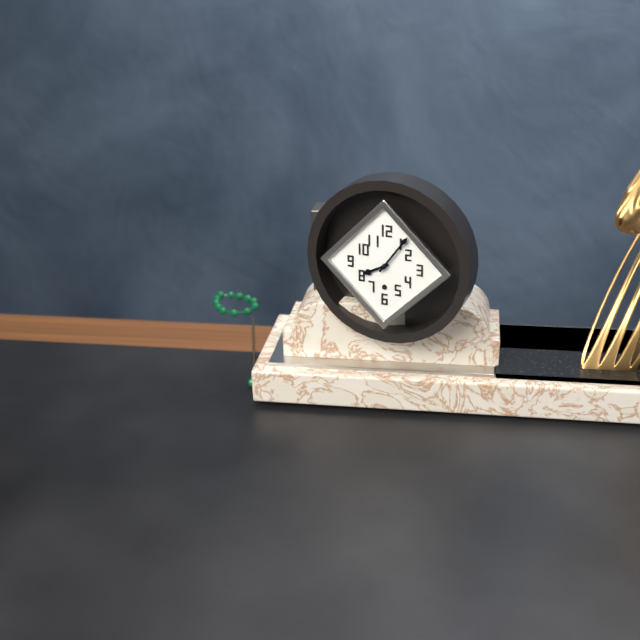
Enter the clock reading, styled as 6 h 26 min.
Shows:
8 h 06 min
